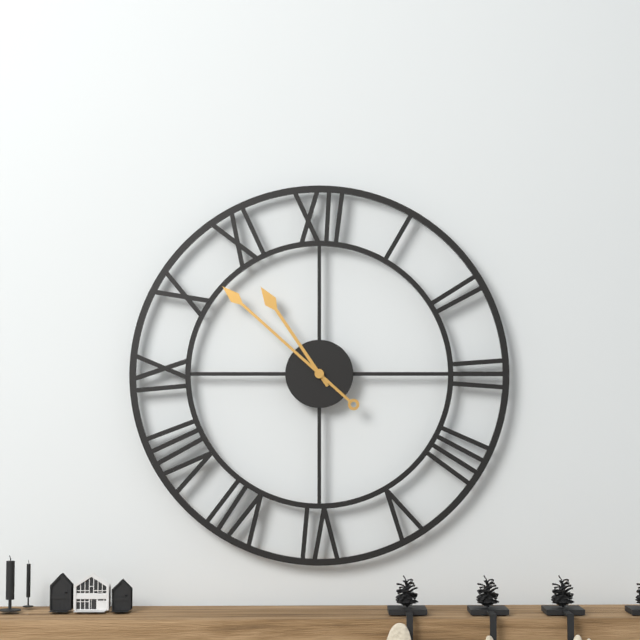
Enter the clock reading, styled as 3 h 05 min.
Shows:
10 h 52 min
